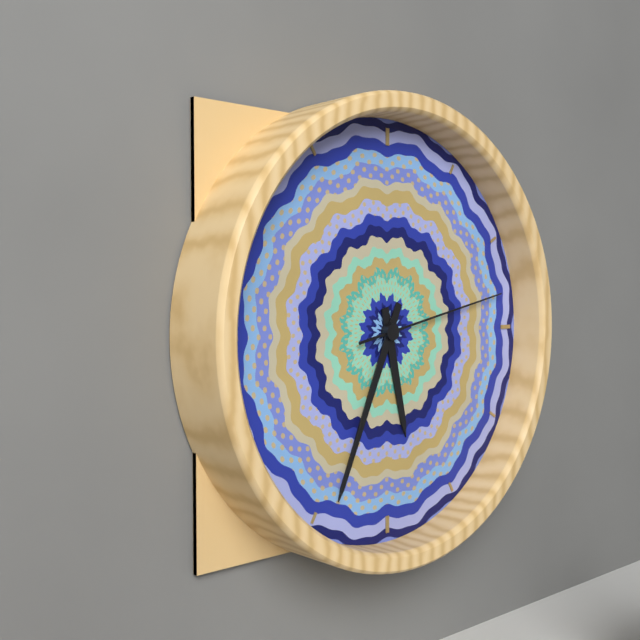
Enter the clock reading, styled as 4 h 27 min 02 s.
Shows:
5 h 34 min 13 s
